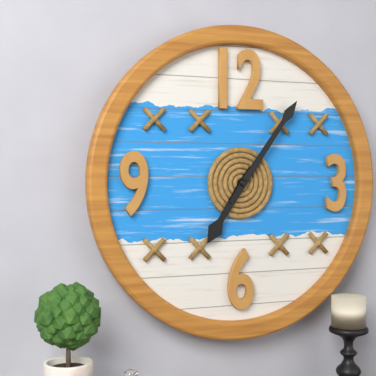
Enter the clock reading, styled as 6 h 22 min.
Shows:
7 h 06 min
